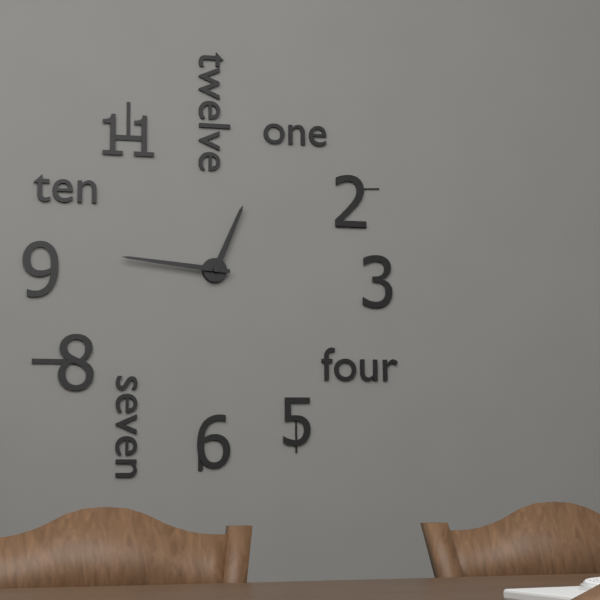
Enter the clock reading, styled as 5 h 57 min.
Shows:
12 h 46 min
